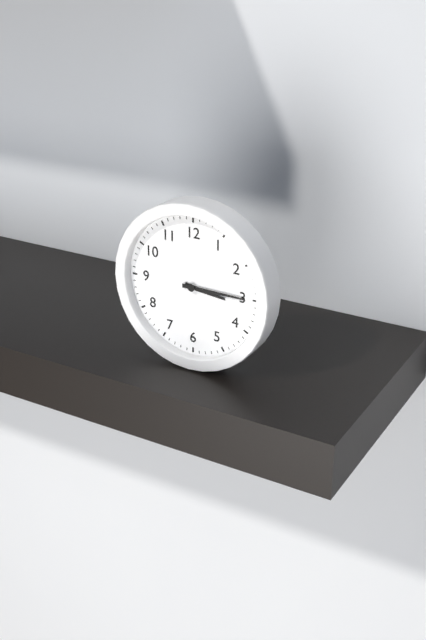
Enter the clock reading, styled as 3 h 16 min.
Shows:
3 h 15 min
